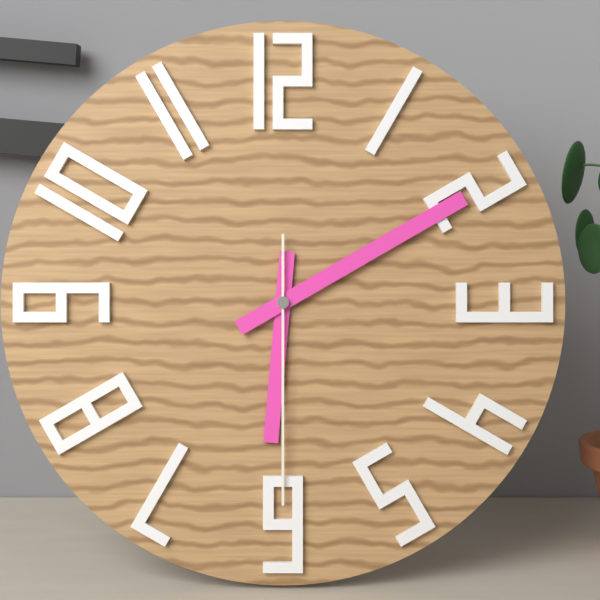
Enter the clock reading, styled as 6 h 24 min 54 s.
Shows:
6 h 10 min 30 s
